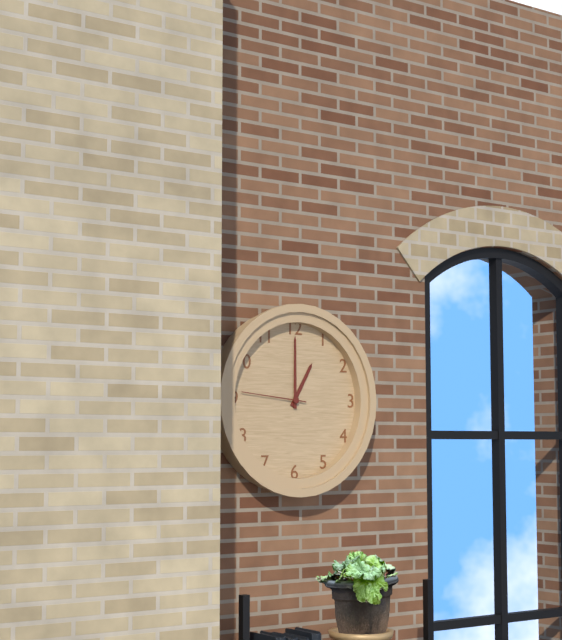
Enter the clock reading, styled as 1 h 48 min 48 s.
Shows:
1 h 00 min 46 s
